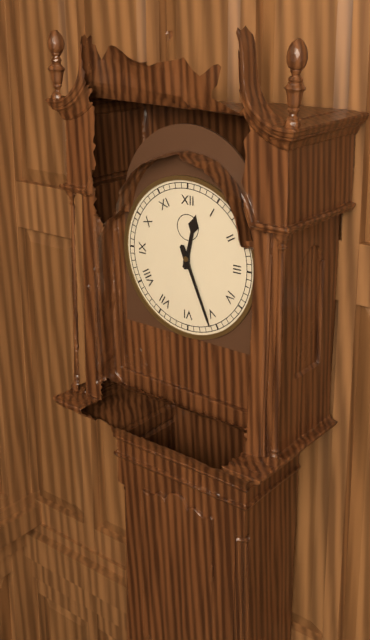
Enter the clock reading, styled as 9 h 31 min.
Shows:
12 h 26 min
